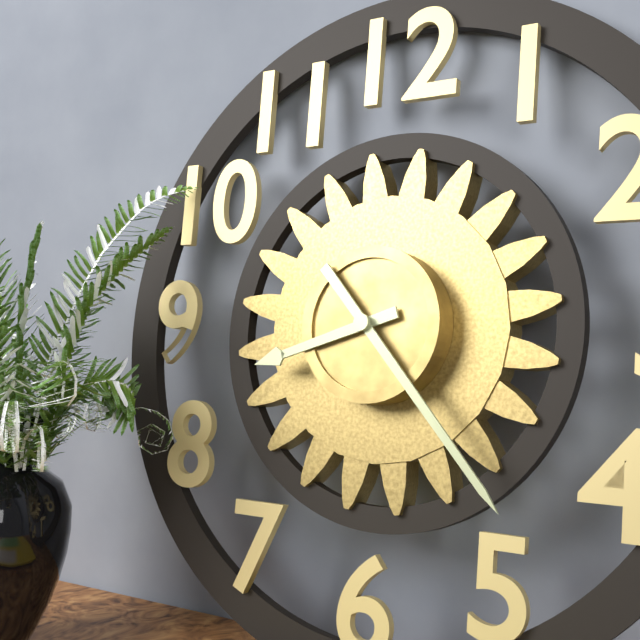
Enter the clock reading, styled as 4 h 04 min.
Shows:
8 h 23 min
